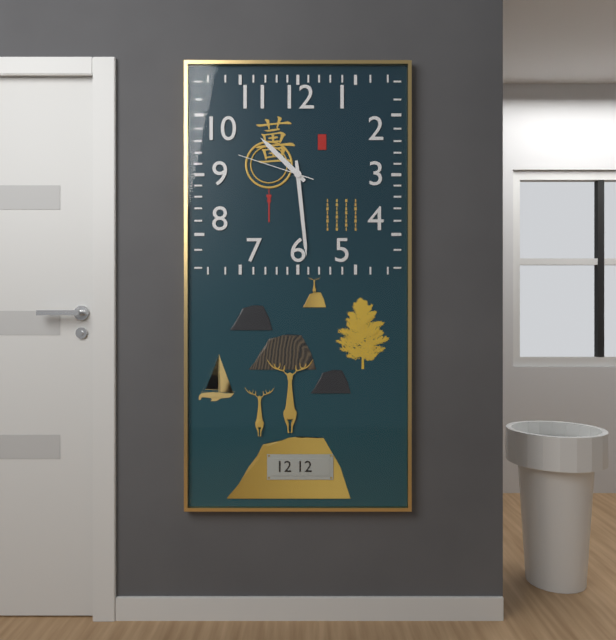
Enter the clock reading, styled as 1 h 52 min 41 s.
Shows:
10 h 29 min 48 s
